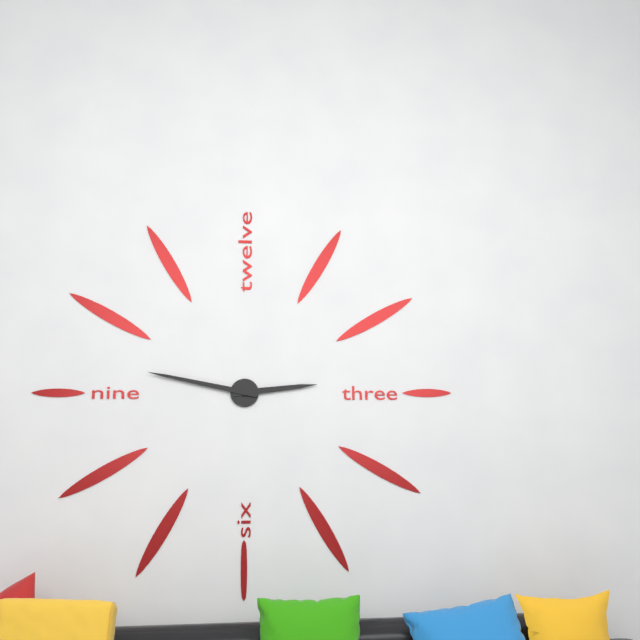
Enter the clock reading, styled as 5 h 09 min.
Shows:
2 h 47 min
